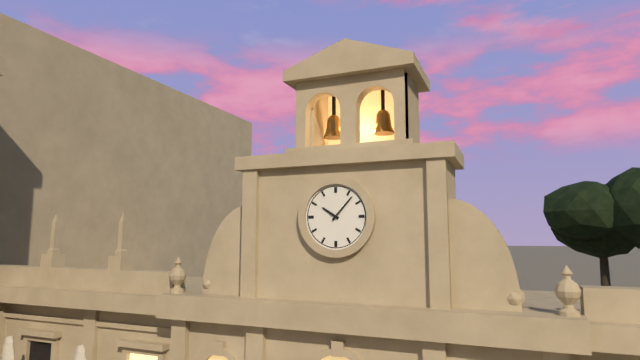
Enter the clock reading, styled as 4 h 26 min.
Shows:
10 h 07 min
